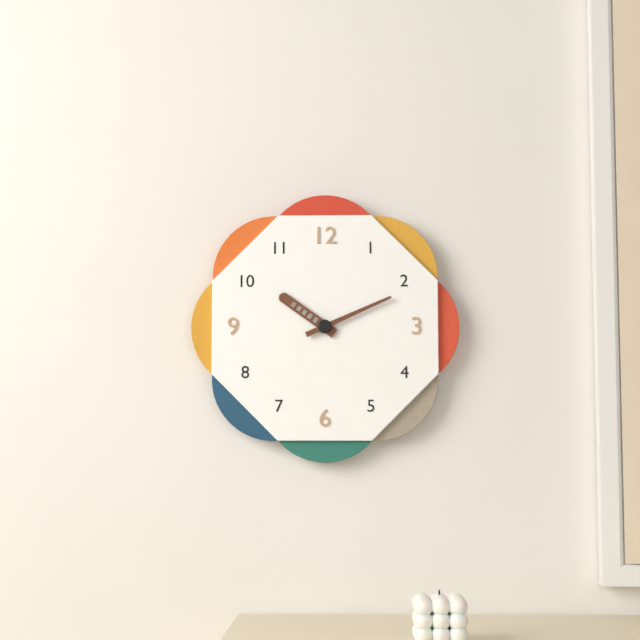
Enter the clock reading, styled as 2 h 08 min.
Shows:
10 h 11 min
